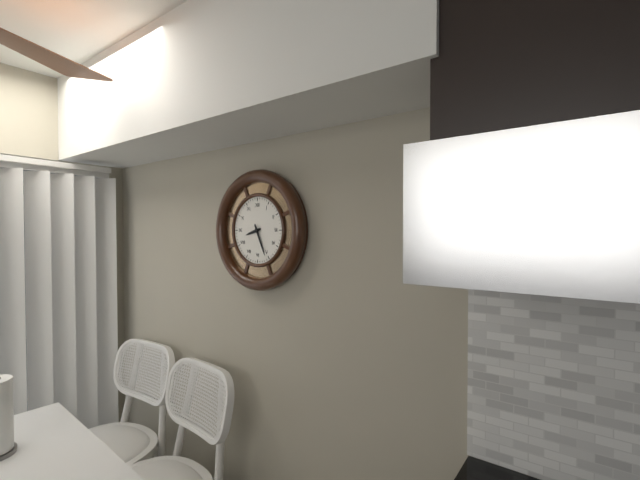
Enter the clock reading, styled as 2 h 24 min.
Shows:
8 h 26 min
